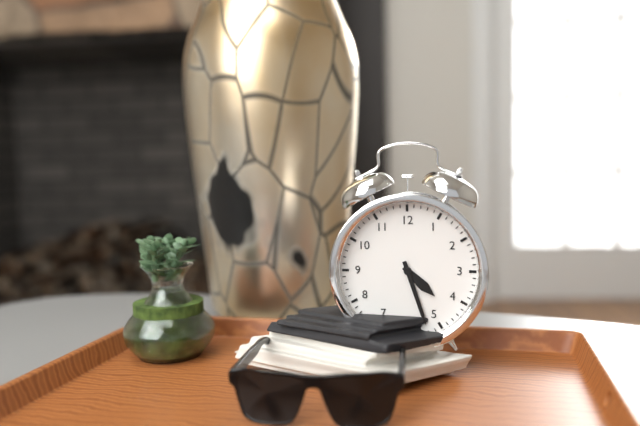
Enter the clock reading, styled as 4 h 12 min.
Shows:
4 h 27 min
